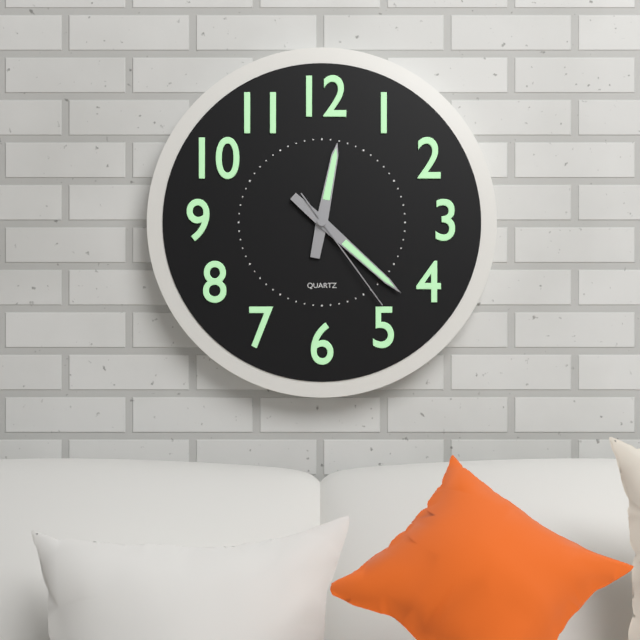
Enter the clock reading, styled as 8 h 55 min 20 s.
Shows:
12 h 22 min 24 s
